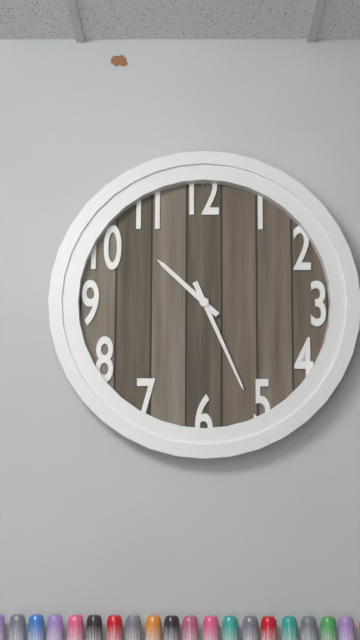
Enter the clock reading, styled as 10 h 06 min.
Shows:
10 h 26 min
